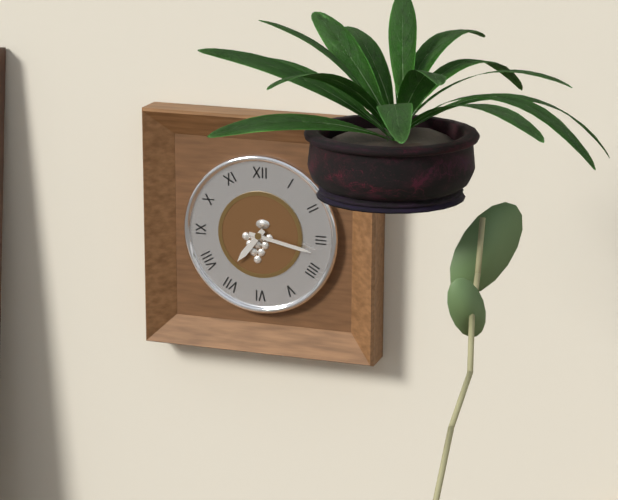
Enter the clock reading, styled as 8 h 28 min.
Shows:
7 h 17 min
